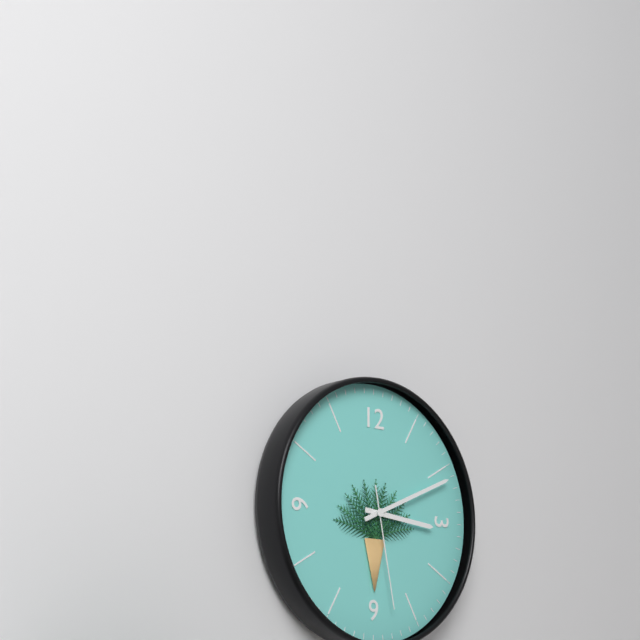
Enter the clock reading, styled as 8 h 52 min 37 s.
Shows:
3 h 11 min 28 s
